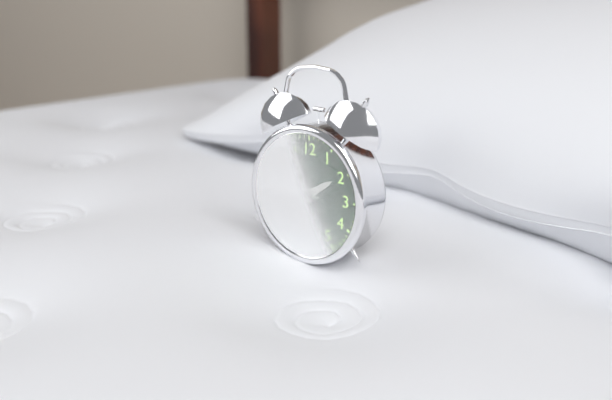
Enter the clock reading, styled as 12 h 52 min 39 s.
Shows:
1 h 56 min 45 s
